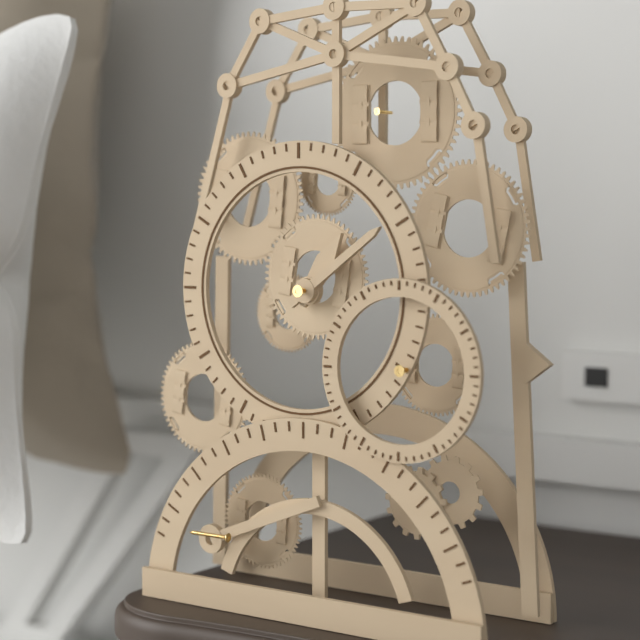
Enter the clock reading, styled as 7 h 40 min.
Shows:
1 h 09 min
